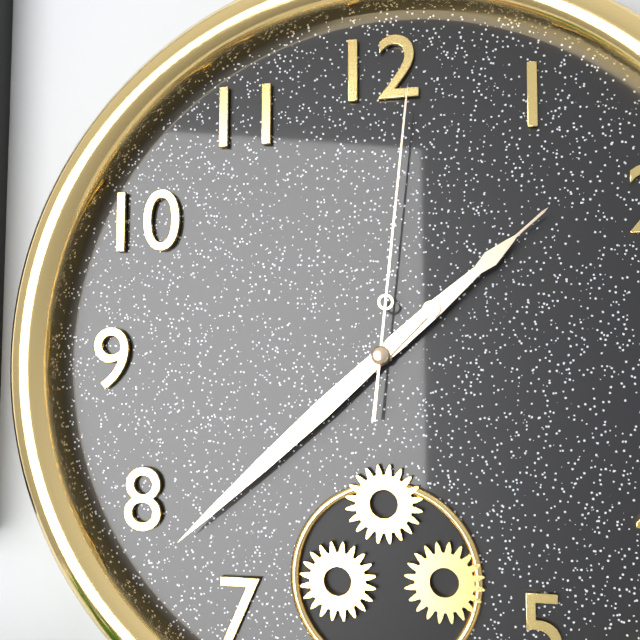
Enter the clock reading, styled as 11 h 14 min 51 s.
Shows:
1 h 38 min 01 s
